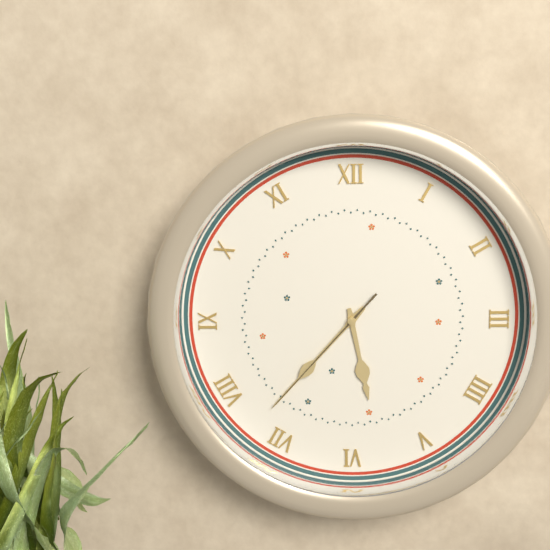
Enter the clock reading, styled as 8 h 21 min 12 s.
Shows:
5 h 37 min 37 s
